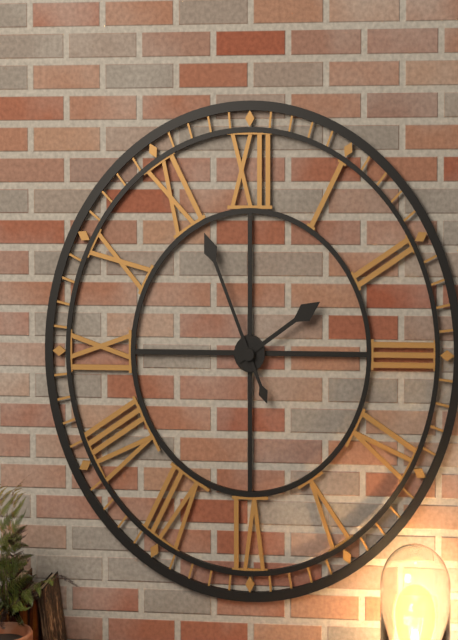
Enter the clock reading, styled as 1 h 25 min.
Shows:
1 h 56 min
